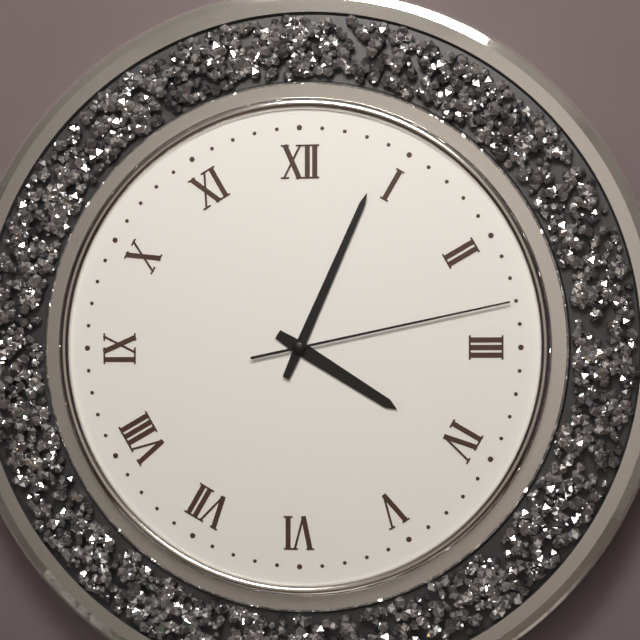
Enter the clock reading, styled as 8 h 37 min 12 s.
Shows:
4 h 04 min 13 s
